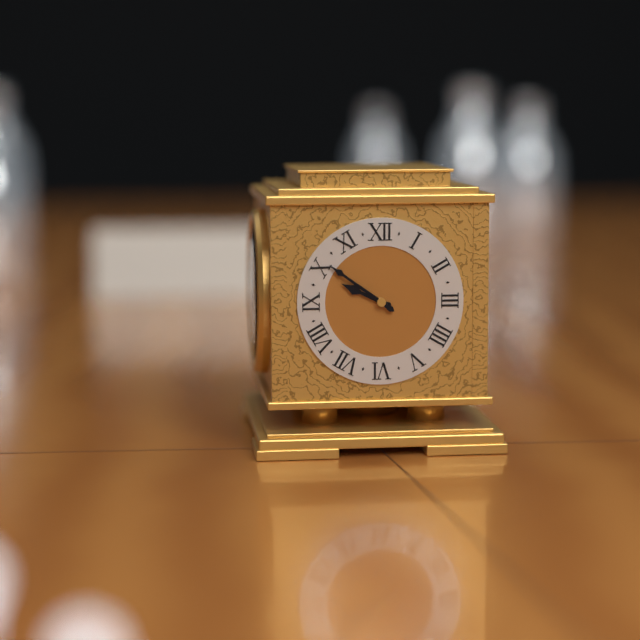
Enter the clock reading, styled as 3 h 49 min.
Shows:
9 h 51 min
